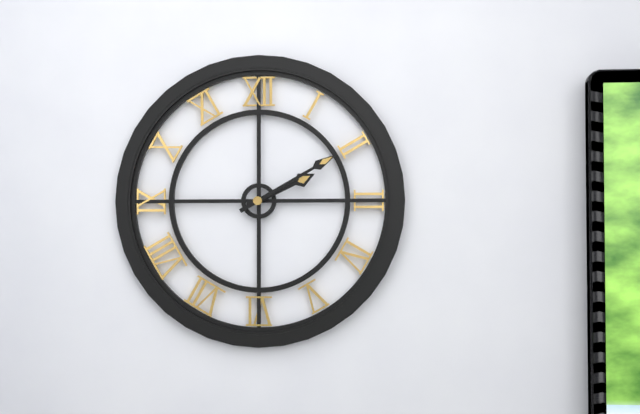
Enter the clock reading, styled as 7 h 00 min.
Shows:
2 h 10 min
